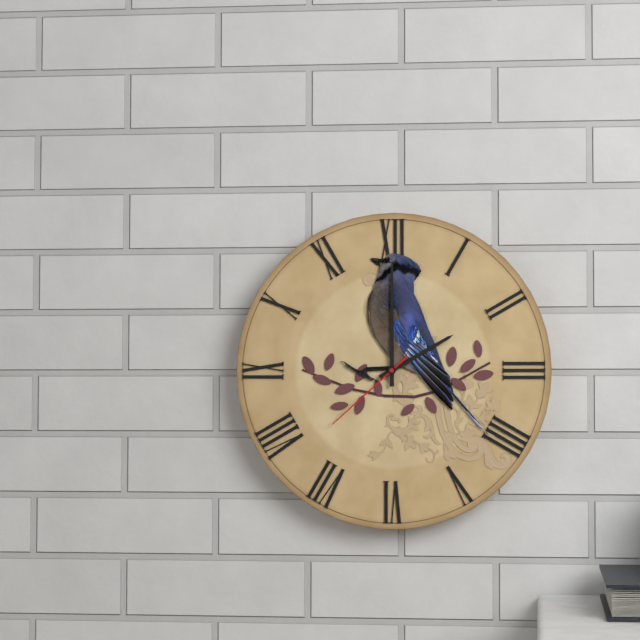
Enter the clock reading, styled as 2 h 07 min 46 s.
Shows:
2 h 00 min 38 s
